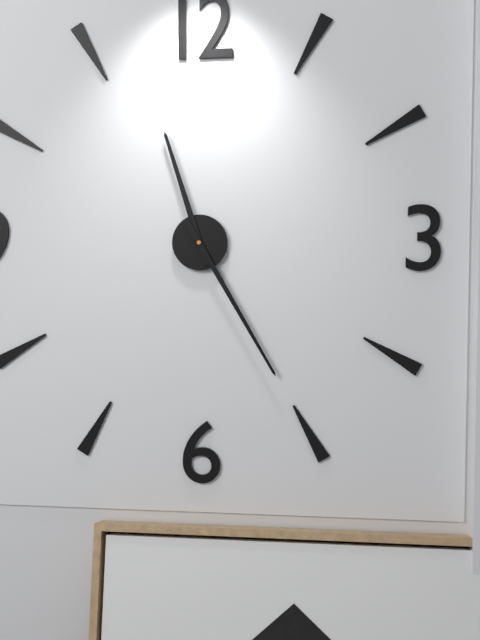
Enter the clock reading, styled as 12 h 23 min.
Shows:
11 h 25 min
